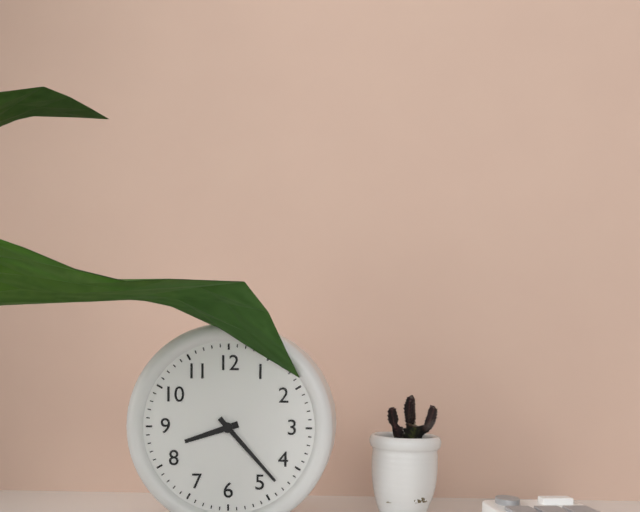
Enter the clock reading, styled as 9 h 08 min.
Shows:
8 h 23 min
